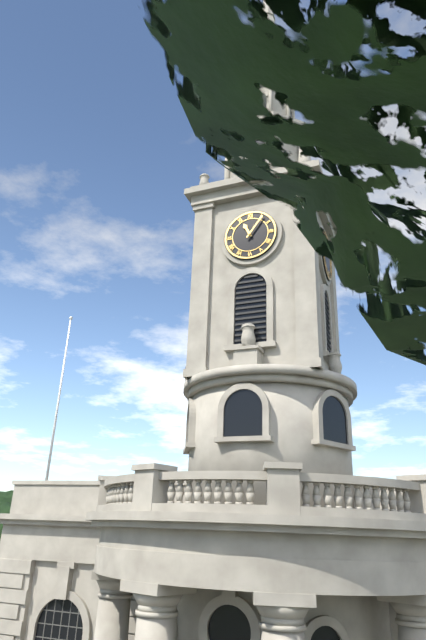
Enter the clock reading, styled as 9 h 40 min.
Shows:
11 h 06 min
